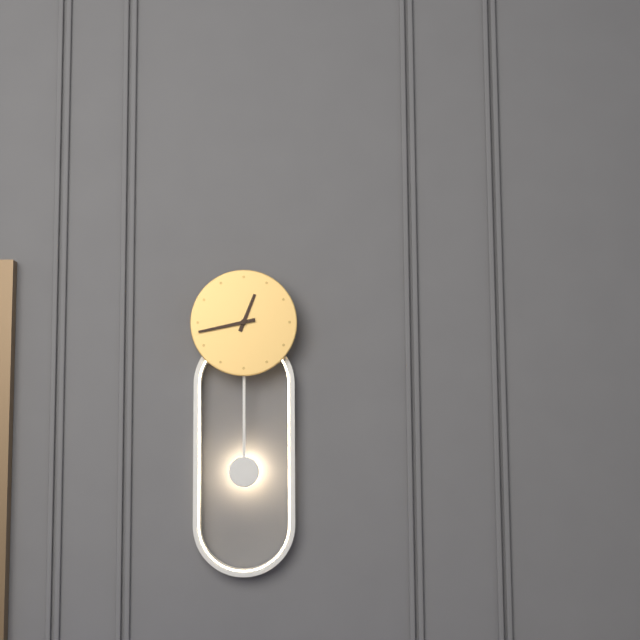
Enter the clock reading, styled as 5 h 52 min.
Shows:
12 h 43 min
